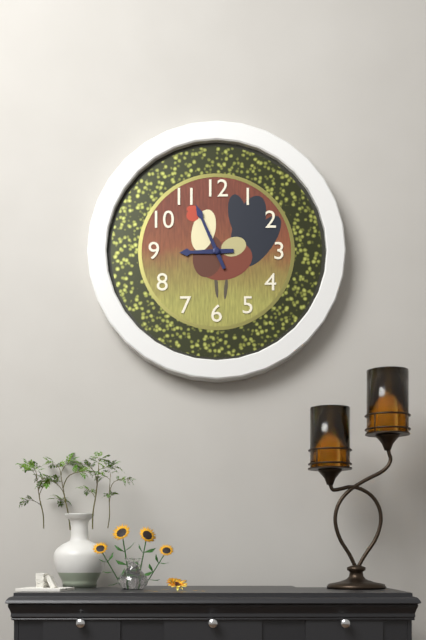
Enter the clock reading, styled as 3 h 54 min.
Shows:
8 h 56 min
